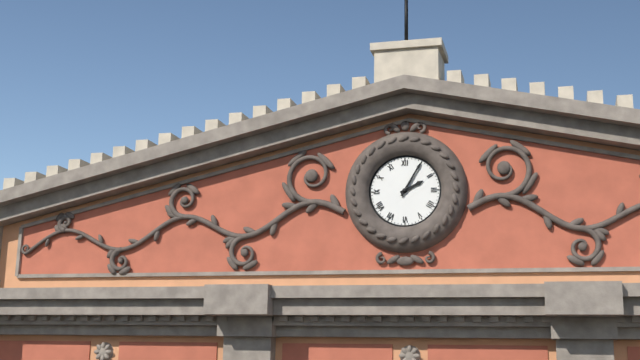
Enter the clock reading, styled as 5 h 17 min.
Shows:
2 h 05 min
